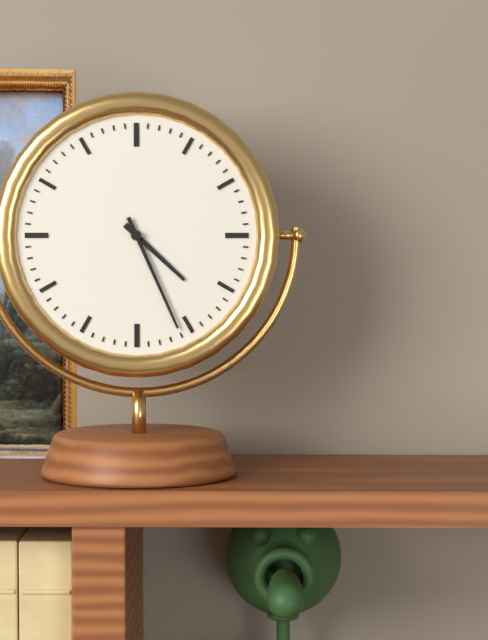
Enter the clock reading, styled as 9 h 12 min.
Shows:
4 h 26 min
